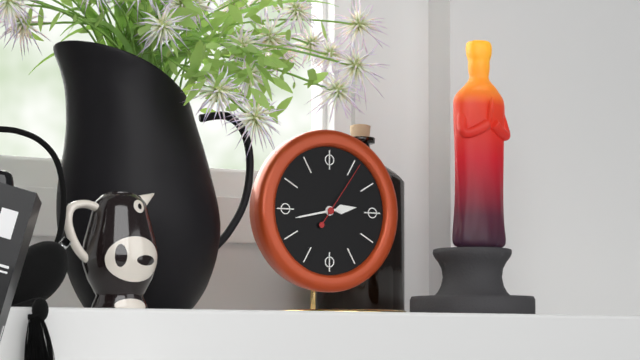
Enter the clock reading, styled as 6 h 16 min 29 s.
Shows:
2 h 43 min 06 s
